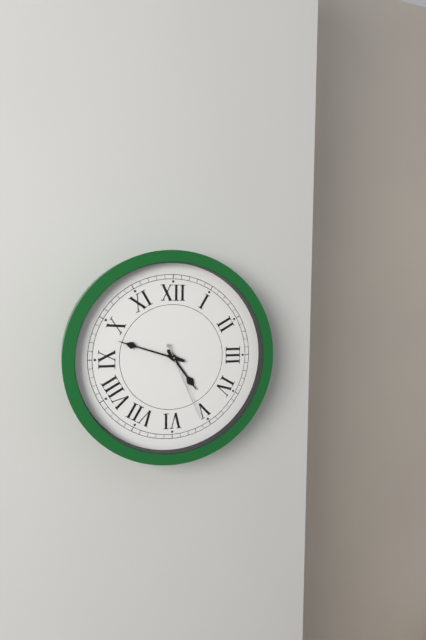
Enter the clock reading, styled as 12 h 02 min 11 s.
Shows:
4 h 48 min 26 s
